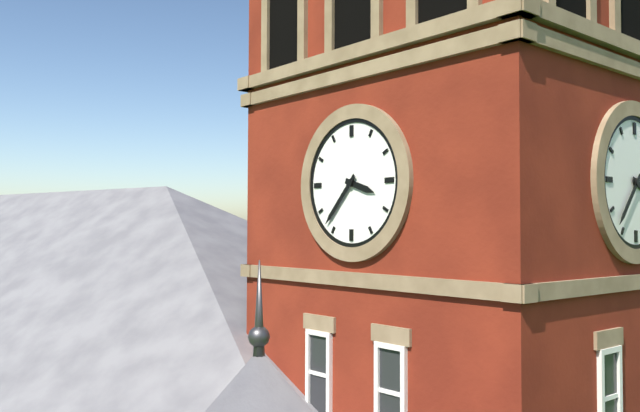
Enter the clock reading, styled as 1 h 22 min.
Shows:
3 h 37 min
